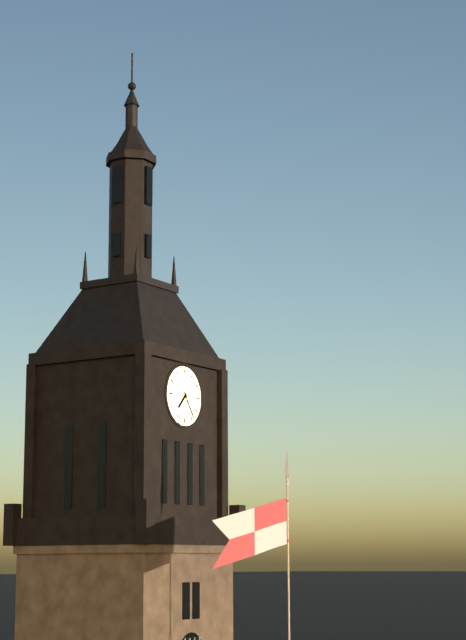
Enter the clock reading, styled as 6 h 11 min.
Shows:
7 h 24 min
